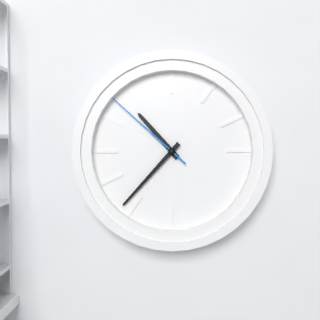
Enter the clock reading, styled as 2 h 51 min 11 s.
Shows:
10 h 37 min 52 s
